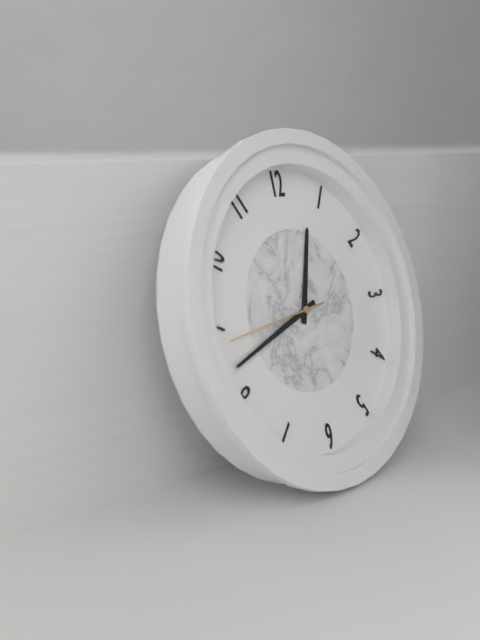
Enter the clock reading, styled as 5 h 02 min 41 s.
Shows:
12 h 42 min 44 s
